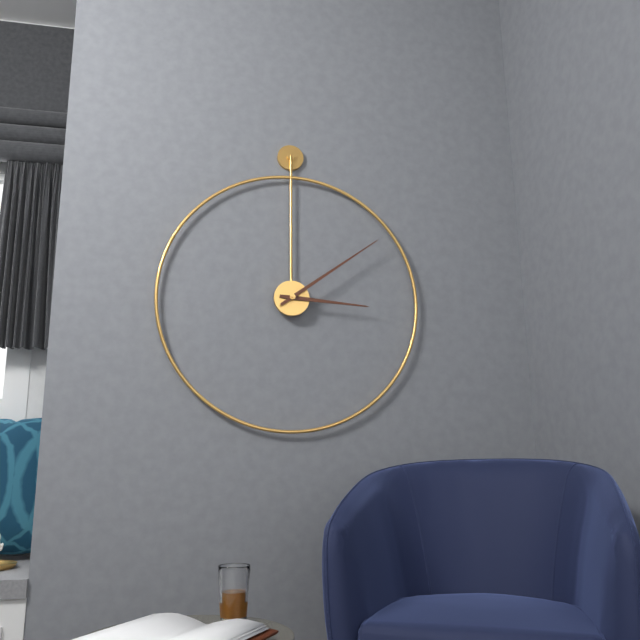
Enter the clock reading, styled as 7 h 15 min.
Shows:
3 h 09 min
